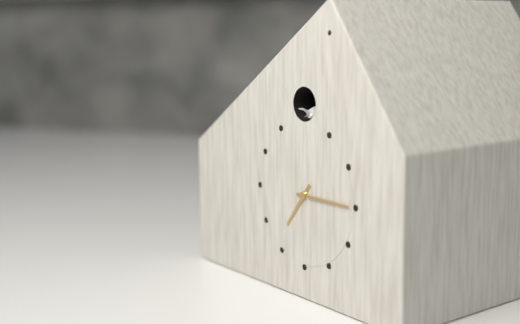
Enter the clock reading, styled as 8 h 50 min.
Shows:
7 h 15 min
